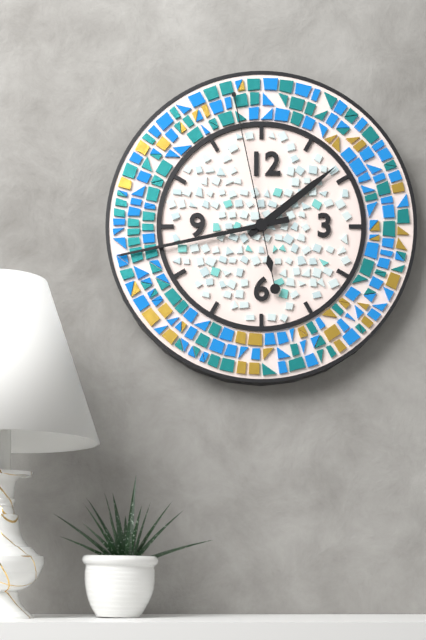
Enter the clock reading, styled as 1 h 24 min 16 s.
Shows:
1 h 43 min 58 s
